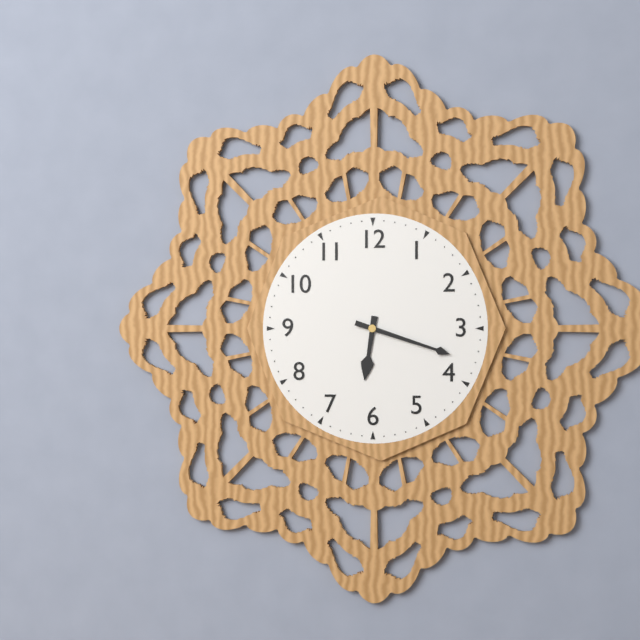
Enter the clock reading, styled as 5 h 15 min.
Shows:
6 h 18 min
